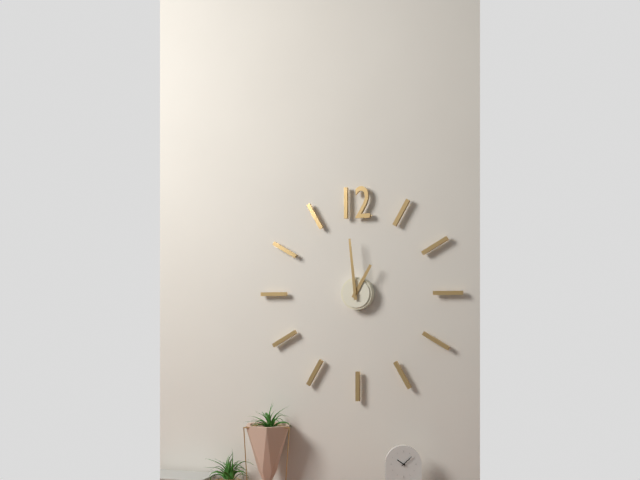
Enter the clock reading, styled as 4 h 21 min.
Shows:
12 h 59 min
